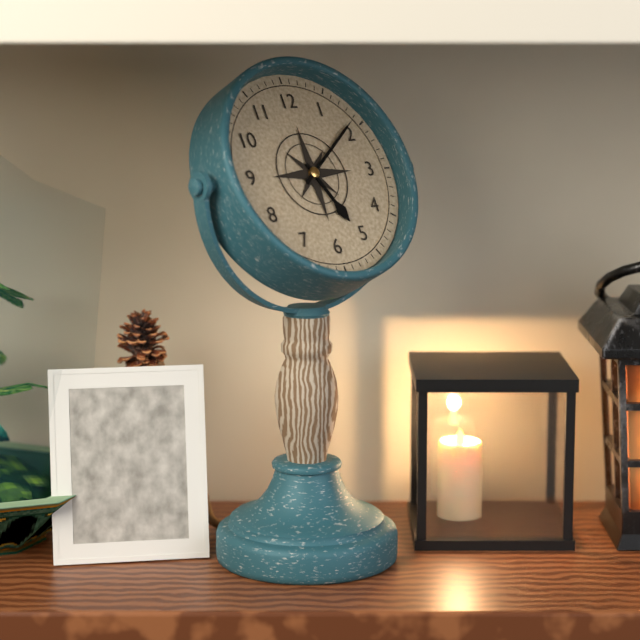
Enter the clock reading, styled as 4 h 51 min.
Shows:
5 h 09 min
